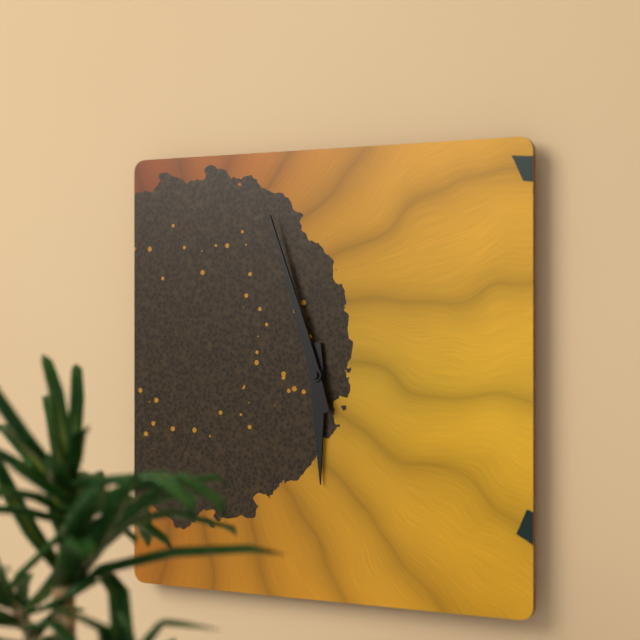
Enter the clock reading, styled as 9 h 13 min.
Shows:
5 h 57 min
